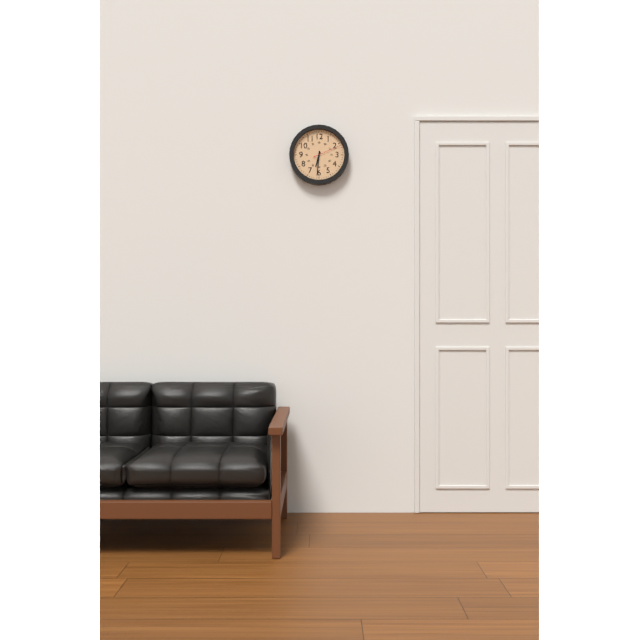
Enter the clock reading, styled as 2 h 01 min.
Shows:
6 h 31 min
